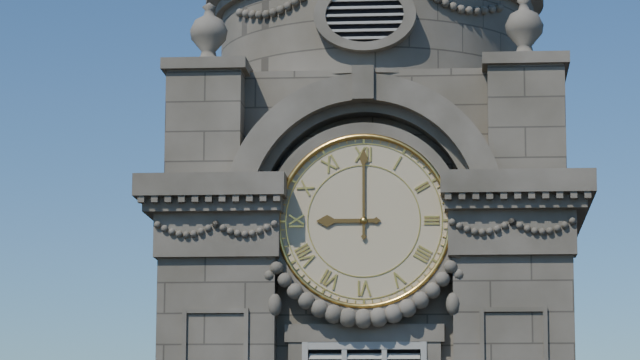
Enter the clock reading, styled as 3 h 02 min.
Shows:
9 h 00 min
